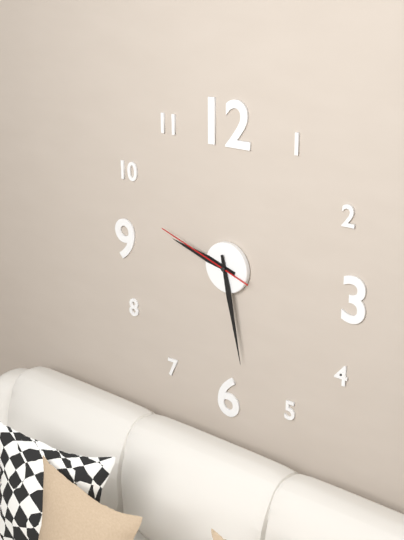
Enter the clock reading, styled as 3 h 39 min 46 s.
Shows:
9 h 28 min 48 s
